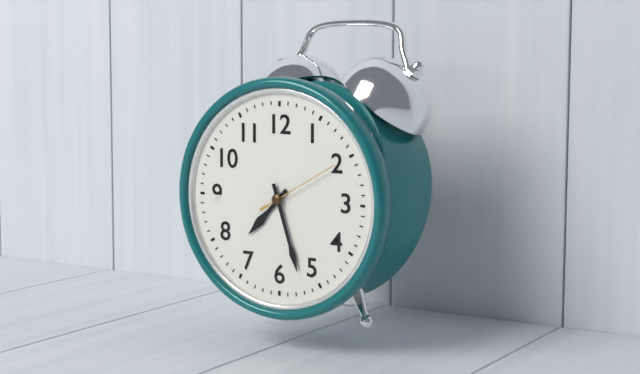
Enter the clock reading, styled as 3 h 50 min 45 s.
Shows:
7 h 27 min 10 s
